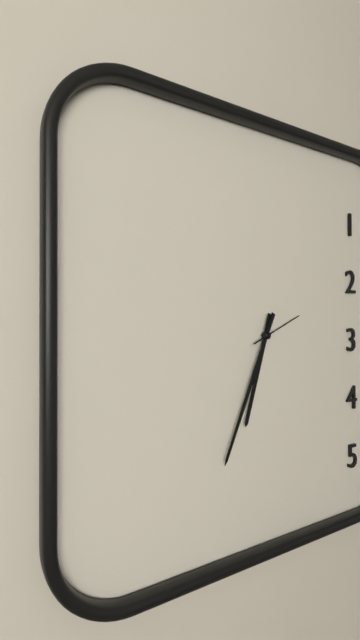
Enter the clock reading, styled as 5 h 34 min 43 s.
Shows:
6 h 34 min 11 s
